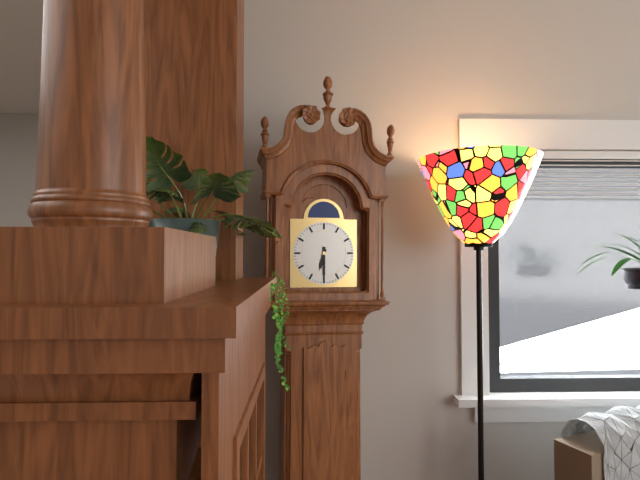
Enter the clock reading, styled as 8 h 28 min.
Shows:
6 h 30 min
